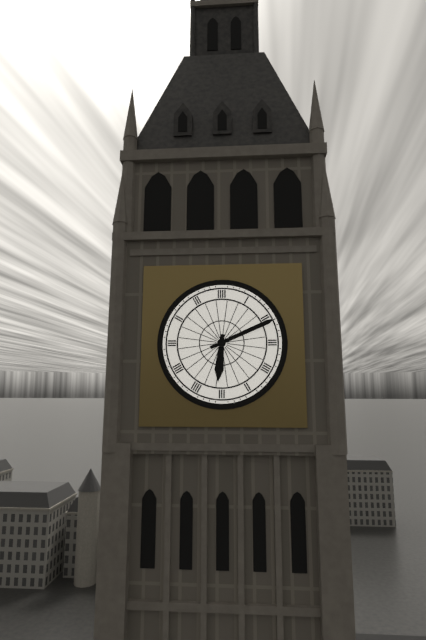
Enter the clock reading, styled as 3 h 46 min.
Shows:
6 h 11 min
